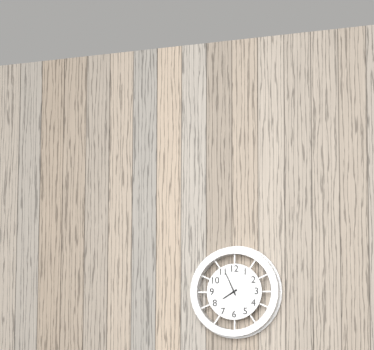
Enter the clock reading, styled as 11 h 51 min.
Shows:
7 h 56 min
